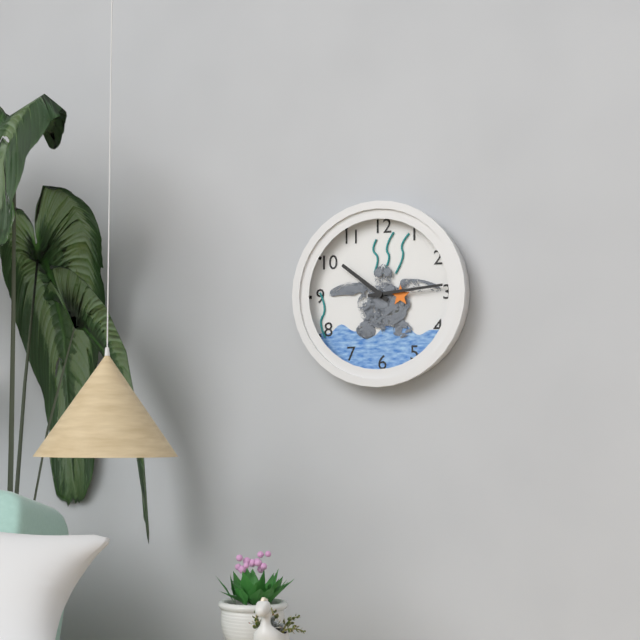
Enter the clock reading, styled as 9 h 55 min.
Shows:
10 h 14 min
